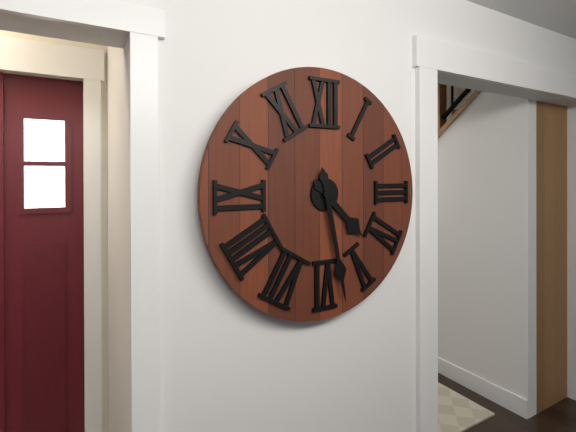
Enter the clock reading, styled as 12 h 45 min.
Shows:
4 h 28 min
